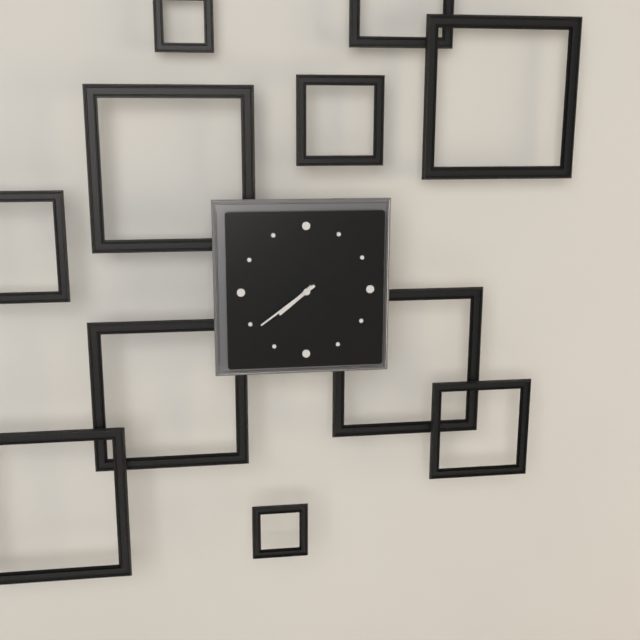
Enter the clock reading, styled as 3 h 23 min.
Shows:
7 h 39 min
